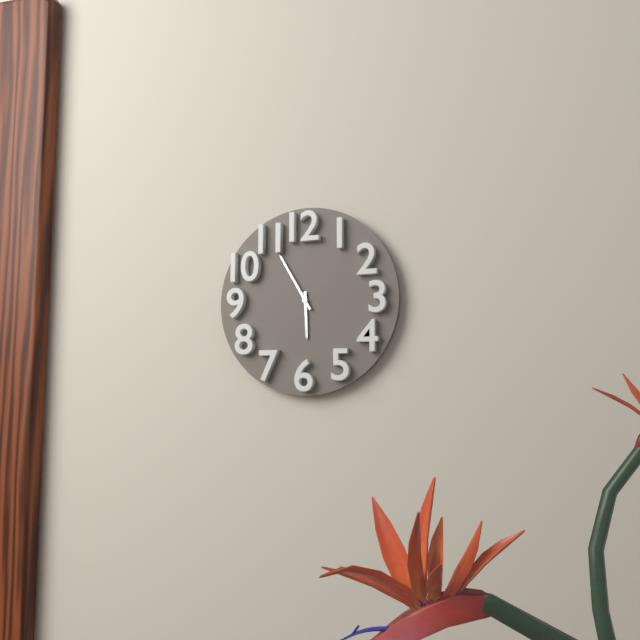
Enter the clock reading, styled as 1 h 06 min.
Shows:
5 h 55 min
